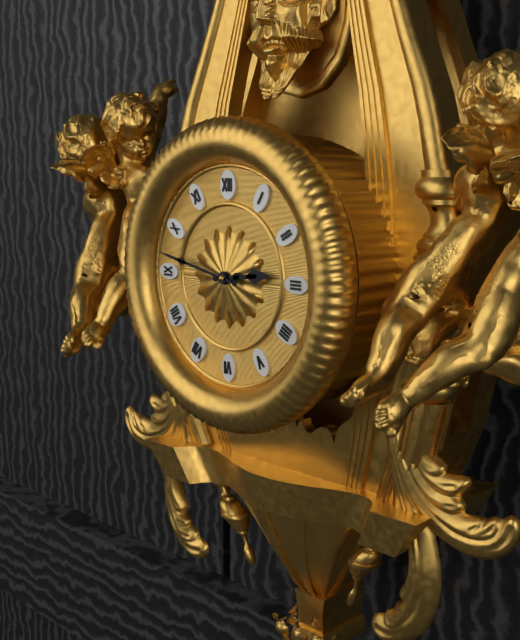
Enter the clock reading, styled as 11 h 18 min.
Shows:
2 h 47 min
